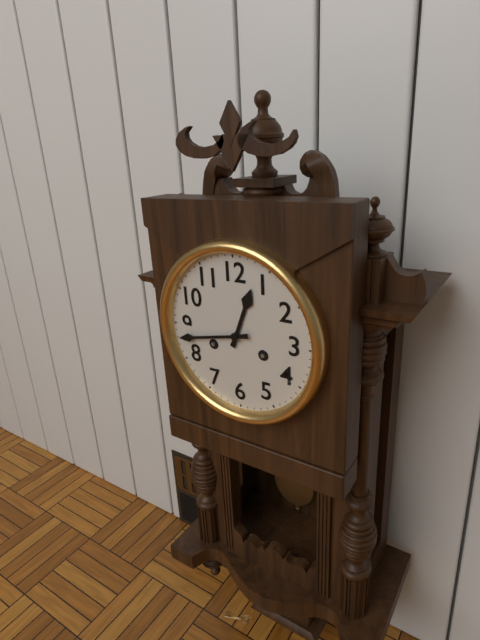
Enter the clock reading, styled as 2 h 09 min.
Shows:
12 h 43 min
